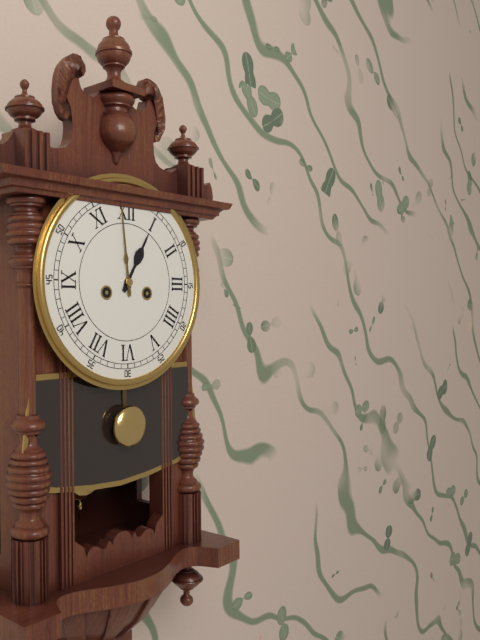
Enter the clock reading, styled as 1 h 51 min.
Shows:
12 h 59 min
